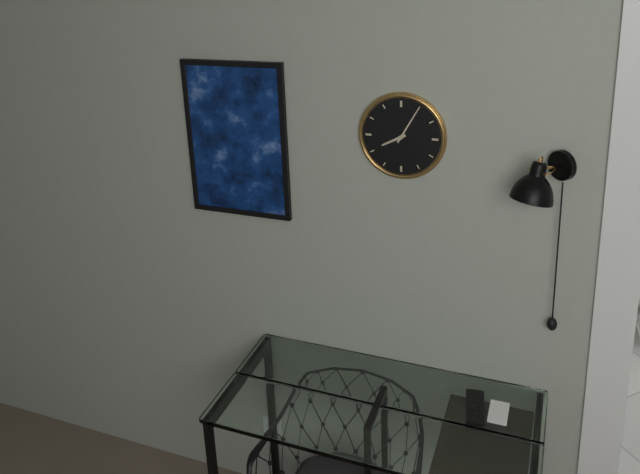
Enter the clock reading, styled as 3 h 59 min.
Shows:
8 h 05 min
